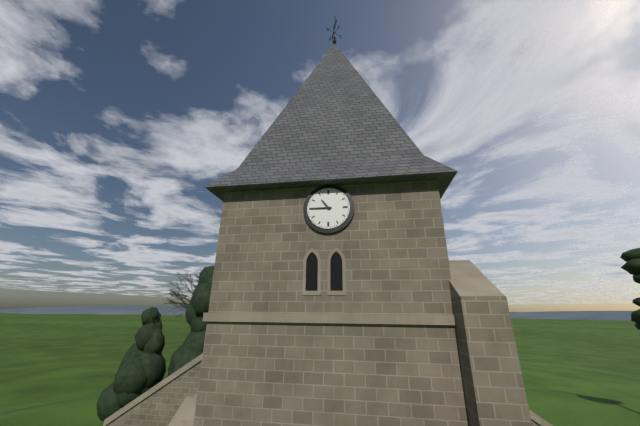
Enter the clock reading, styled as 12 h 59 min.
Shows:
10 h 45 min
